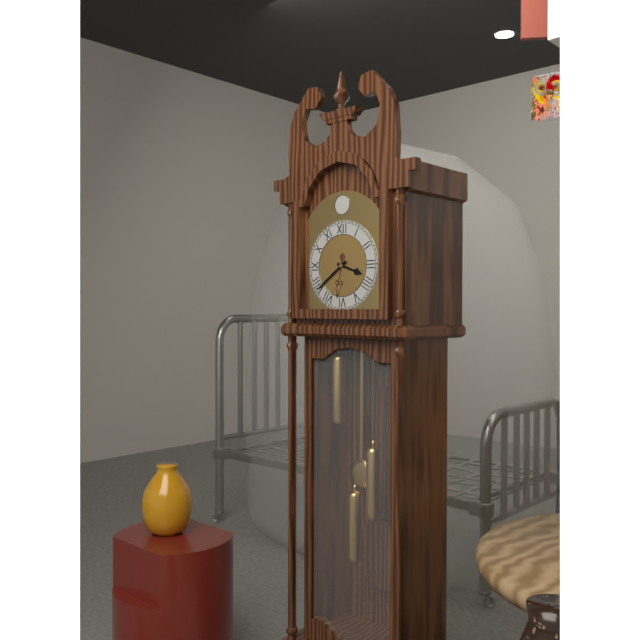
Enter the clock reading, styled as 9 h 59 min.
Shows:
3 h 39 min
